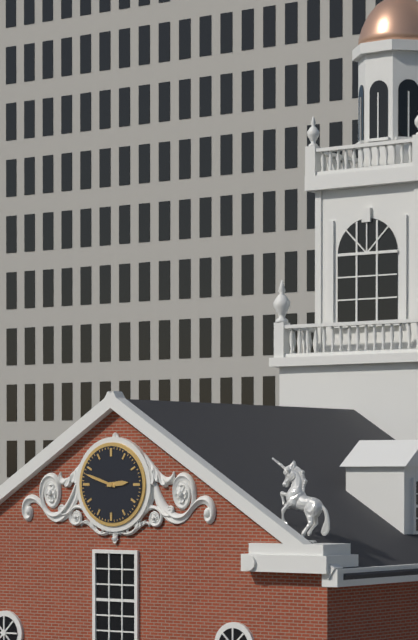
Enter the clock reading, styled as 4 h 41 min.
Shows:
2 h 48 min
